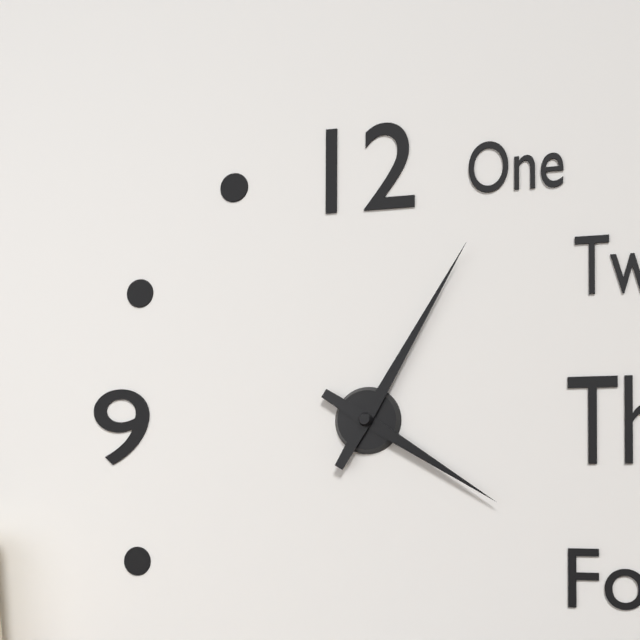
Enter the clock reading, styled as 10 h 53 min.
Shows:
4 h 05 min
